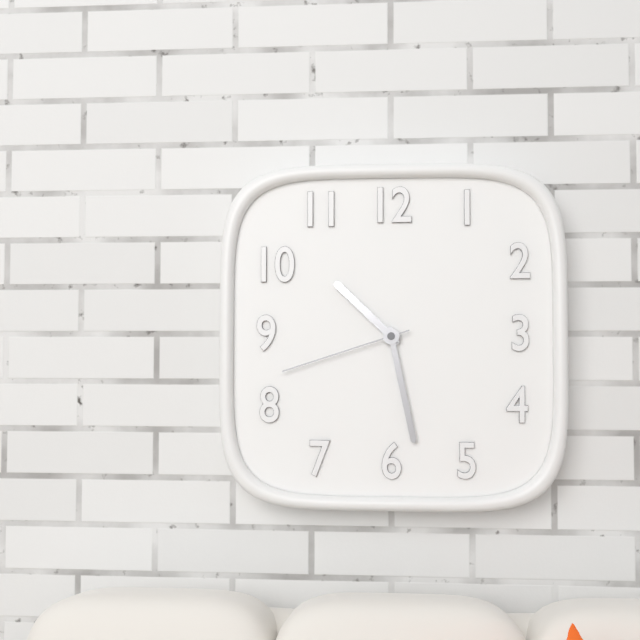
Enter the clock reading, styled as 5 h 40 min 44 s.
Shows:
10 h 28 min 42 s
